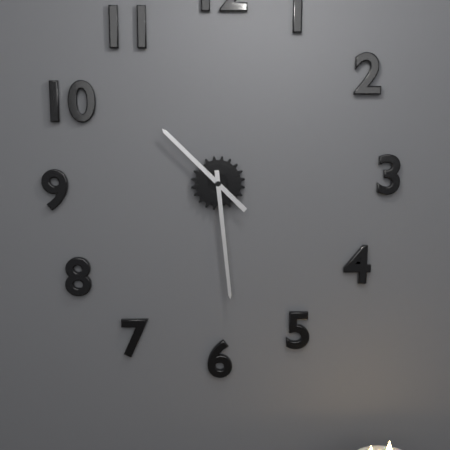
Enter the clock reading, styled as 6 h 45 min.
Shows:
10 h 29 min
